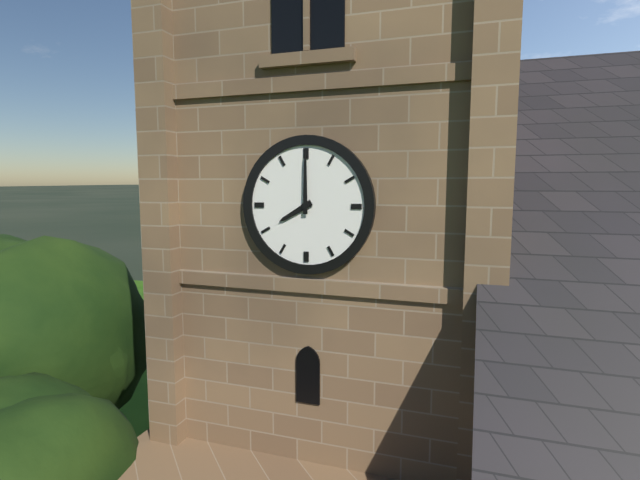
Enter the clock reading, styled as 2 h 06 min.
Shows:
8 h 00 min
